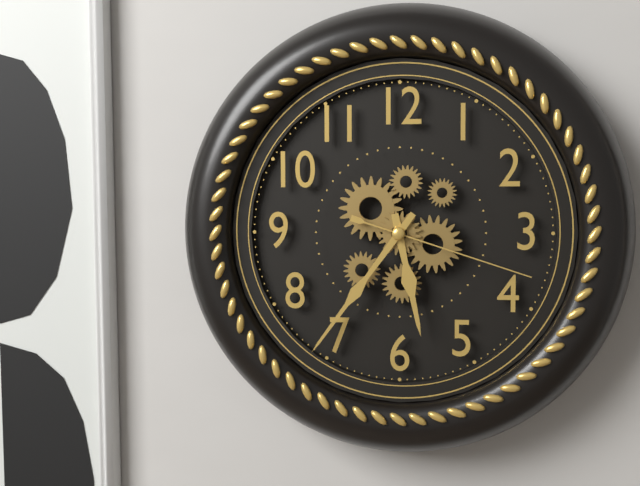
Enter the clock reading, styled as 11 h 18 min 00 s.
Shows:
5 h 36 min 18 s
